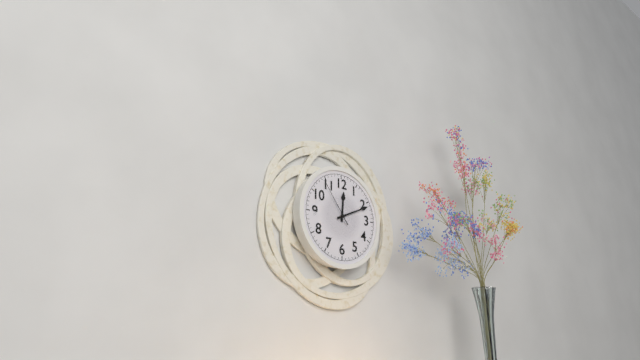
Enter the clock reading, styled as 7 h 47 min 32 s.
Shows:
12 h 11 min 54 s
